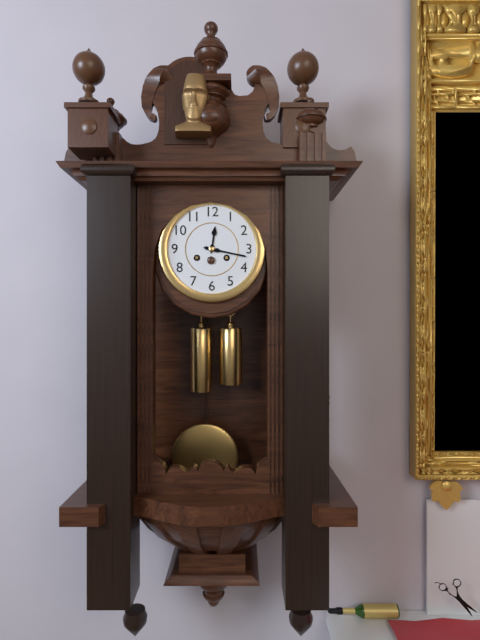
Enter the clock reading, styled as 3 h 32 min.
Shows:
12 h 17 min
